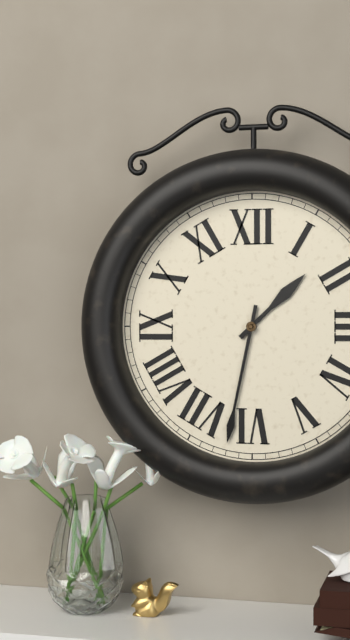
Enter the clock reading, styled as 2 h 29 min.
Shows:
1 h 32 min
